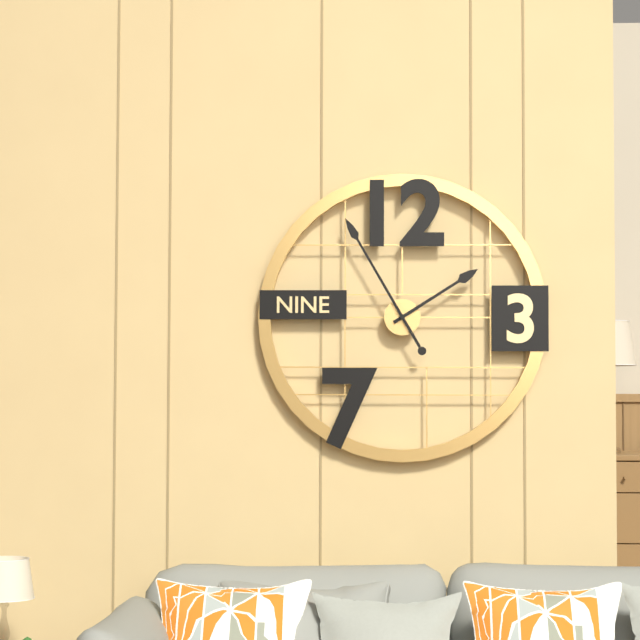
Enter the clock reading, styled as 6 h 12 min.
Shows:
1 h 55 min
